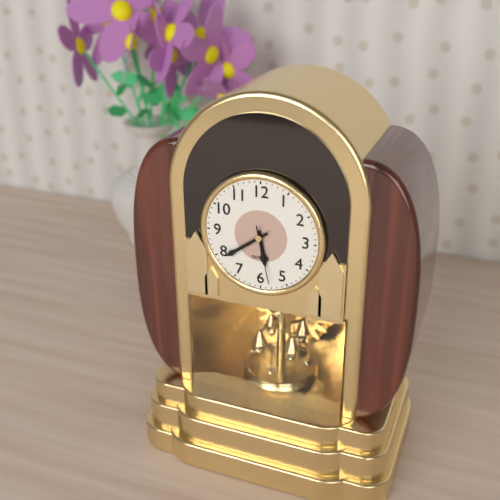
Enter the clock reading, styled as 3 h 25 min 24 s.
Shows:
5 h 39 min 28 s
